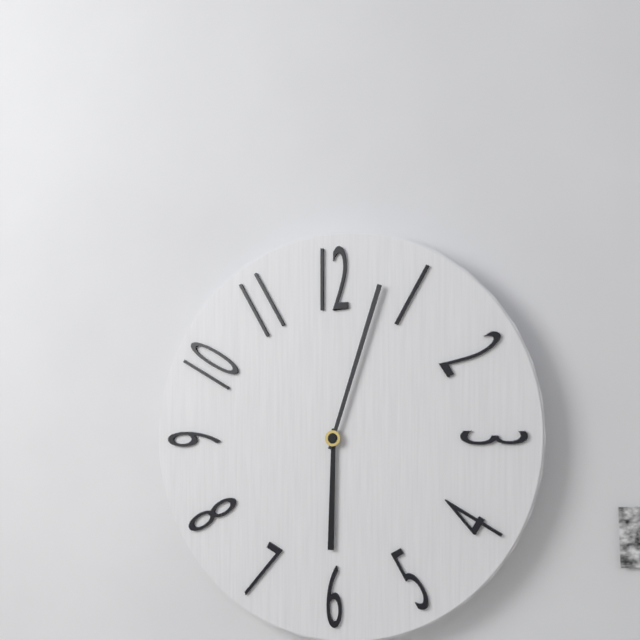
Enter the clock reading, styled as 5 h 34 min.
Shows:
6 h 03 min
